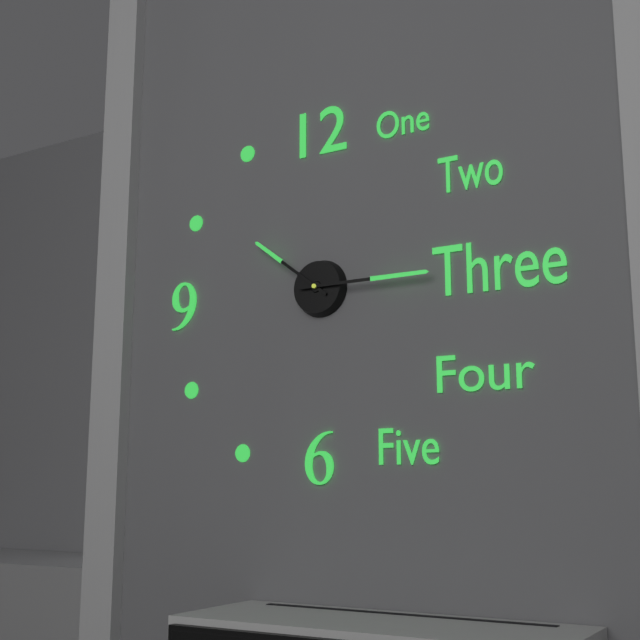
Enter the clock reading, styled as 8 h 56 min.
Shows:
10 h 15 min
